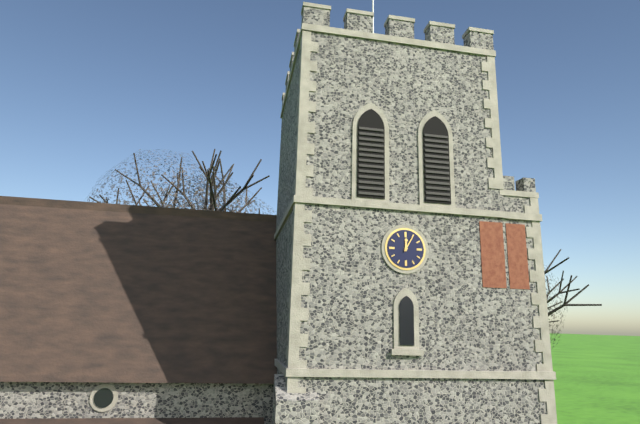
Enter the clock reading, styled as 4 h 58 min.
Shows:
12 h 05 min
